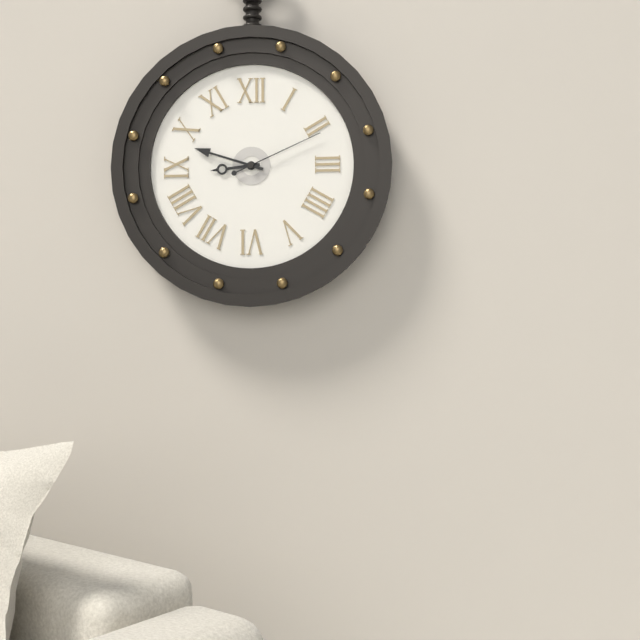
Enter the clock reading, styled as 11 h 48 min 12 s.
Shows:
8 h 48 min 11 s
